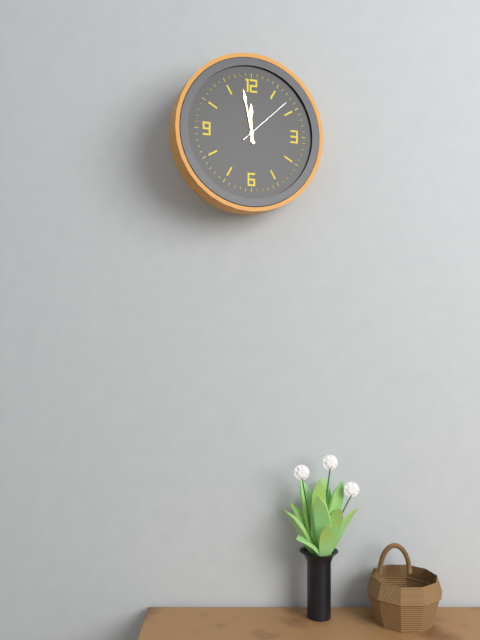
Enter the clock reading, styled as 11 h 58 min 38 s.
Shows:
11 h 58 min 08 s
